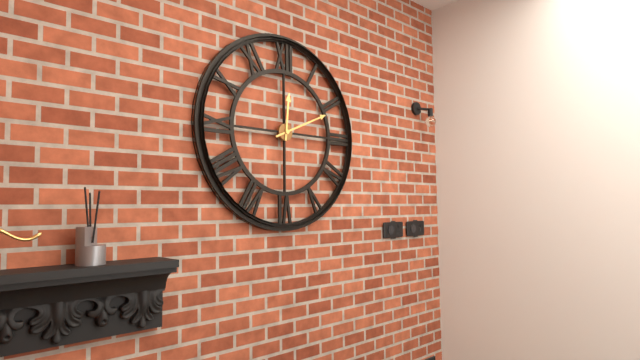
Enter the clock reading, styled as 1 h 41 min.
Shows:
12 h 11 min
